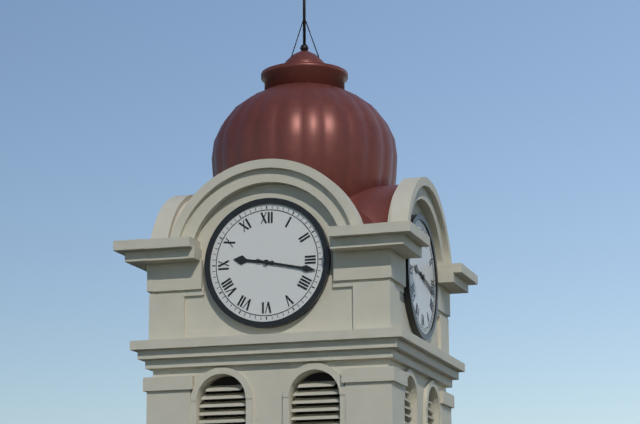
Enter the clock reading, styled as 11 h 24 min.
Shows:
9 h 17 min
